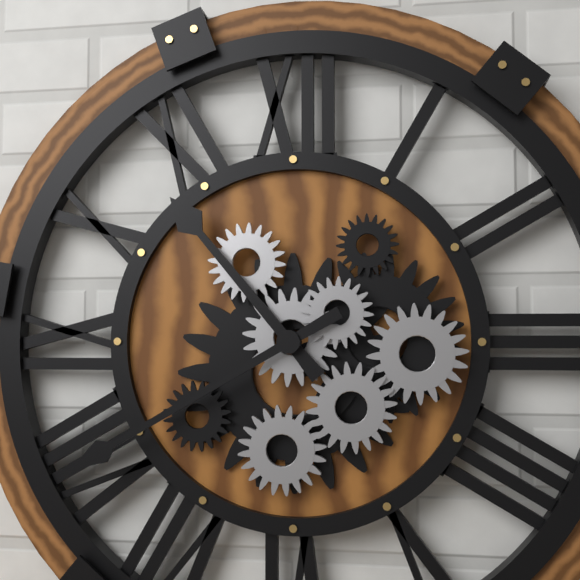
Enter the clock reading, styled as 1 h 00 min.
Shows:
10 h 40 min
